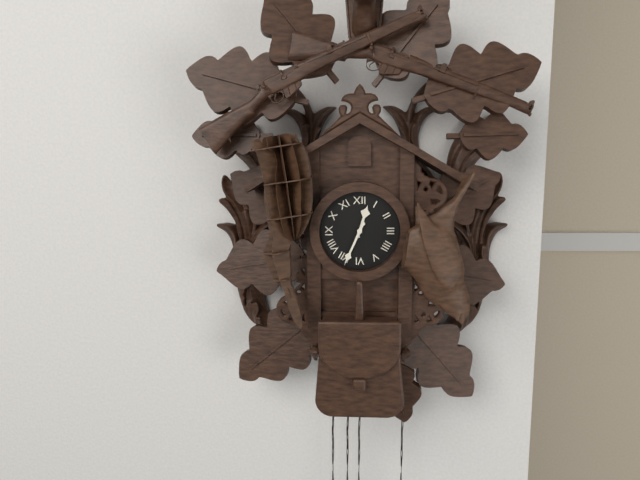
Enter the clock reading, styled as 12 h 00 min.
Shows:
12 h 34 min
